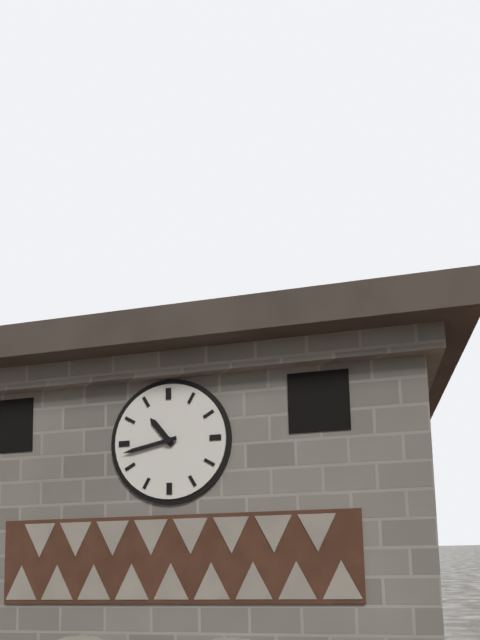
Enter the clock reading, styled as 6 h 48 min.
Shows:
10 h 43 min
